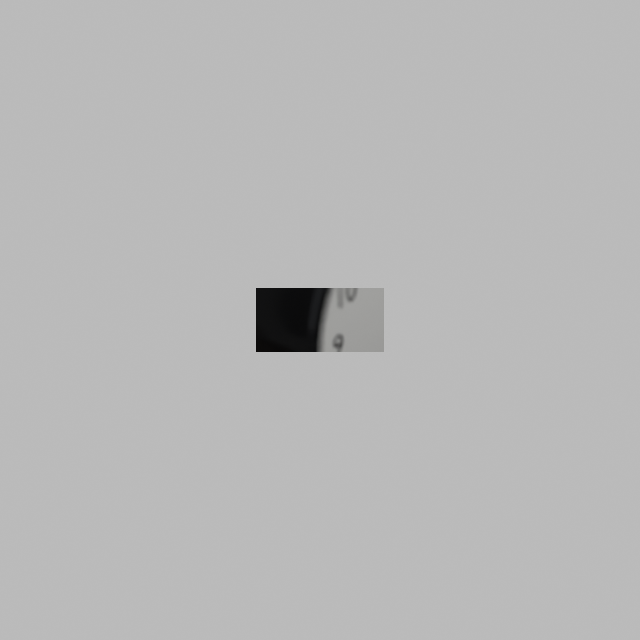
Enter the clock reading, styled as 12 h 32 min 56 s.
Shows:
2 h 01 min 57 s
